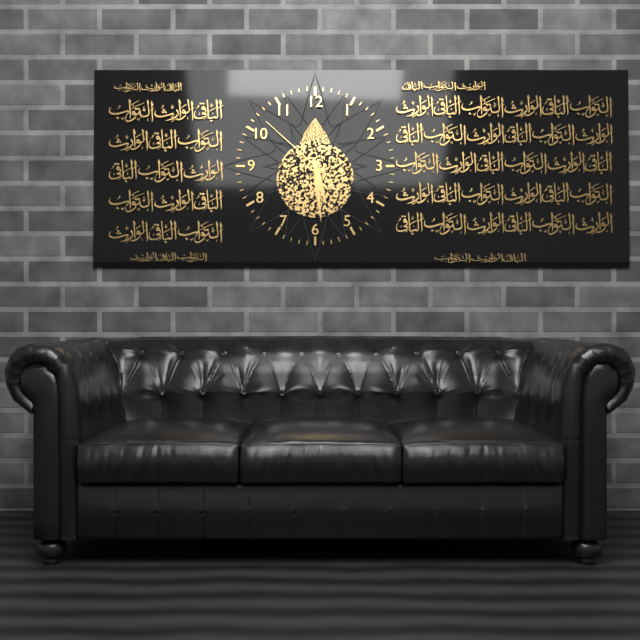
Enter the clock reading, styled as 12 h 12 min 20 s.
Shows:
5 h 29 min 52 s
